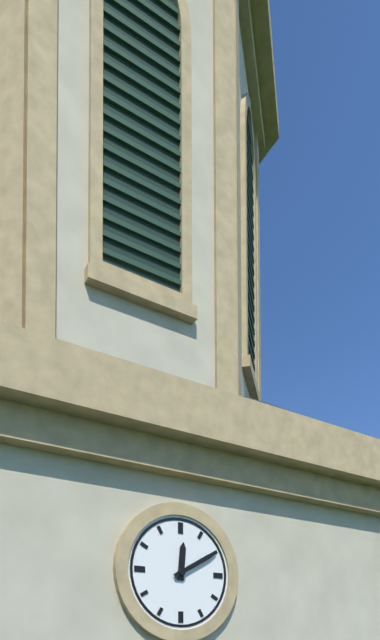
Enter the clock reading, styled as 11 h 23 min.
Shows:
12 h 10 min
